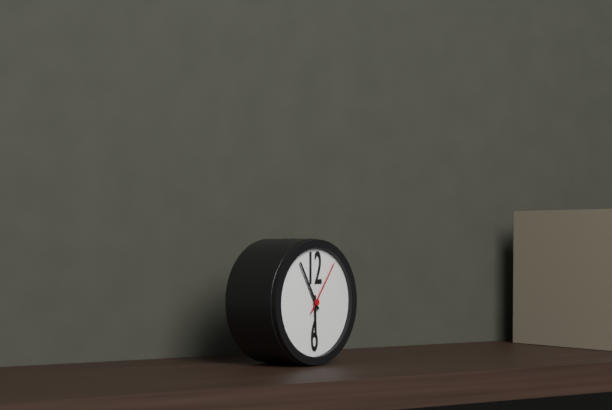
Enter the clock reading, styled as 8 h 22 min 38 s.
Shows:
5 h 55 min 06 s
